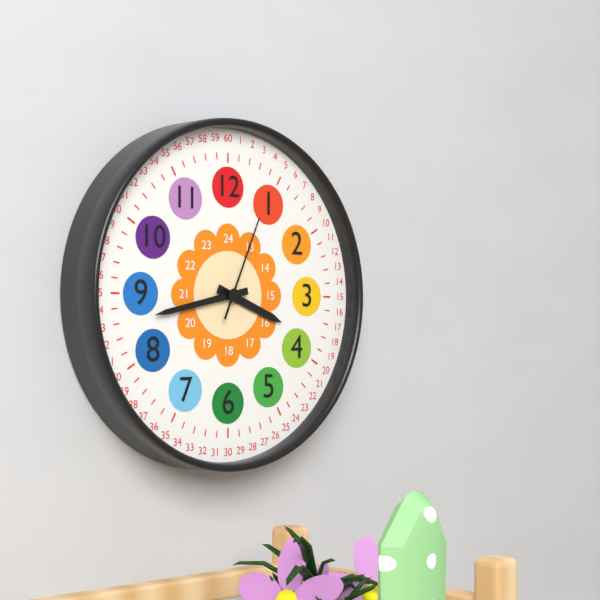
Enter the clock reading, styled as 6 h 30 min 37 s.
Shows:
3 h 43 min 04 s
